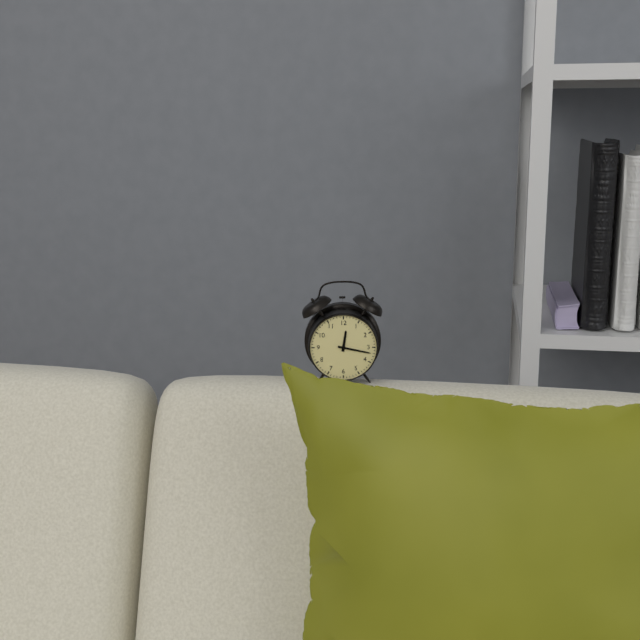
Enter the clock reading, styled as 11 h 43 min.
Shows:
12 h 17 min
